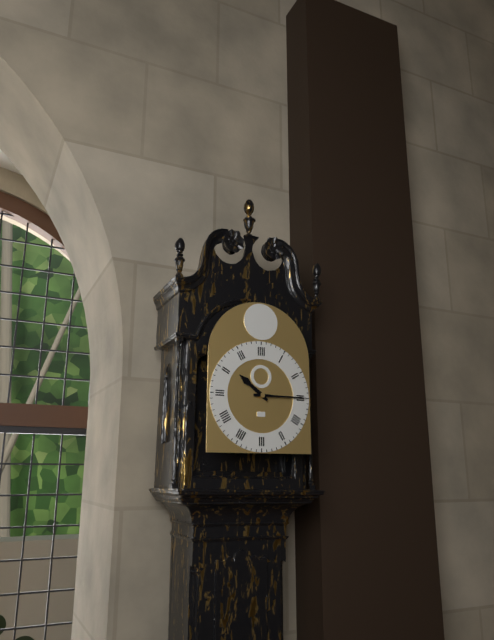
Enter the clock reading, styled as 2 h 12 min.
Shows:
10 h 15 min
